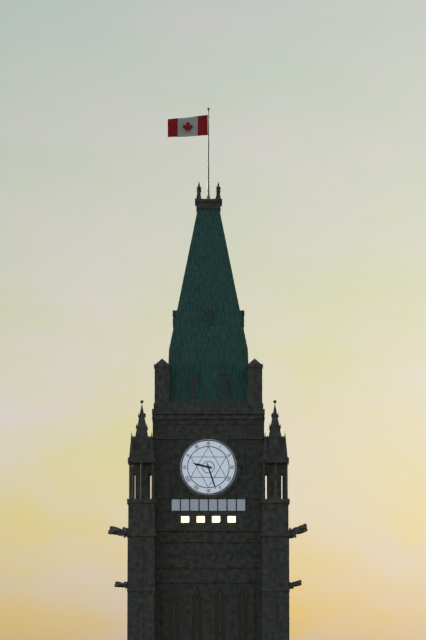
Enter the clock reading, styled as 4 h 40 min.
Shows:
9 h 27 min
